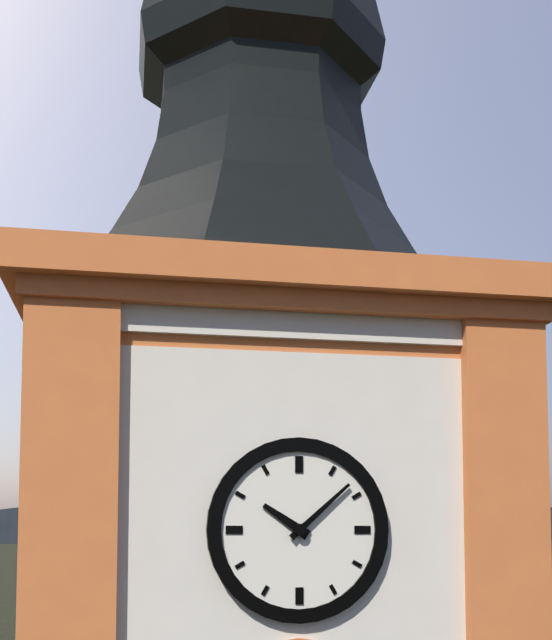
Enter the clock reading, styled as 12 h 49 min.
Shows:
10 h 08 min
